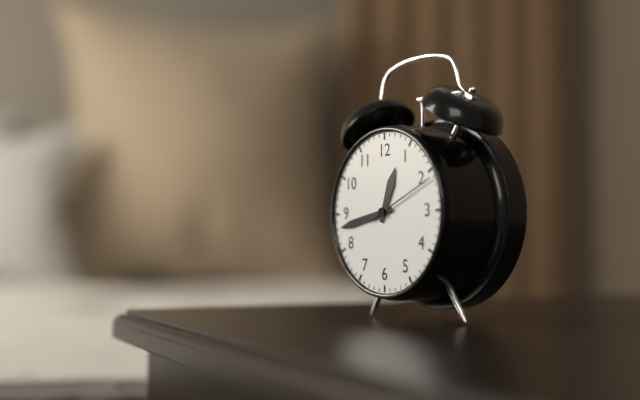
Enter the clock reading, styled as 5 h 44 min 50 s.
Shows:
12 h 43 min 11 s
